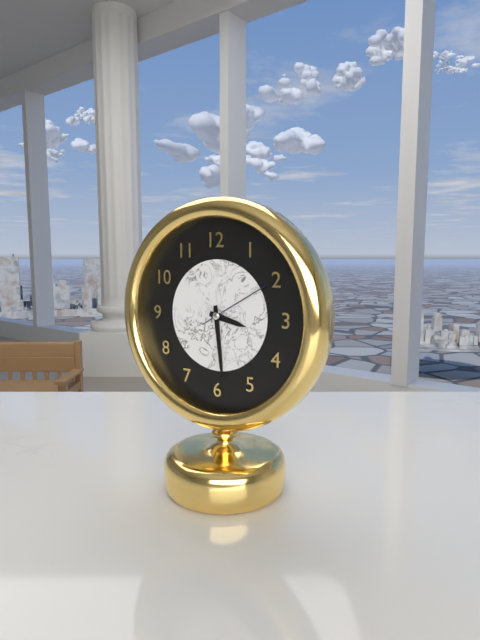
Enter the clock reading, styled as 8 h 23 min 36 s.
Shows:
3 h 29 min 10 s
